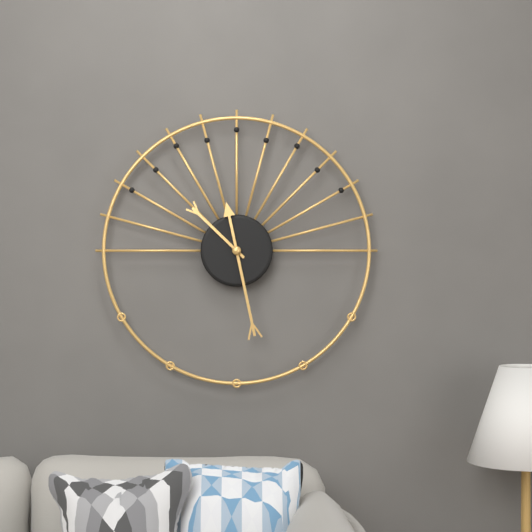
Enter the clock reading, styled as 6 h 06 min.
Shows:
10 h 28 min
